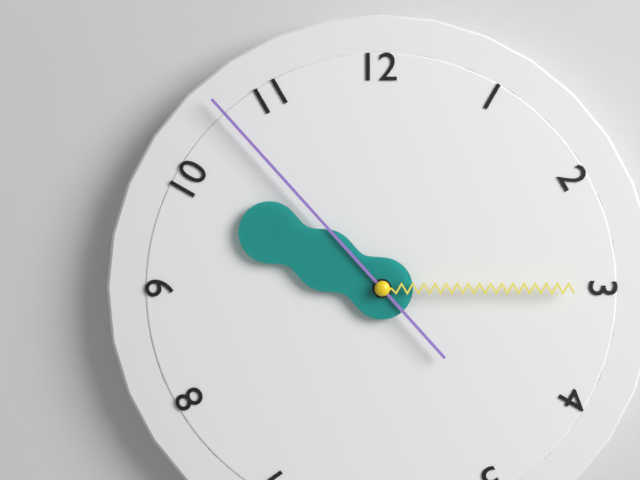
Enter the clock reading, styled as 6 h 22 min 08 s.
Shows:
9 h 53 min 15 s
